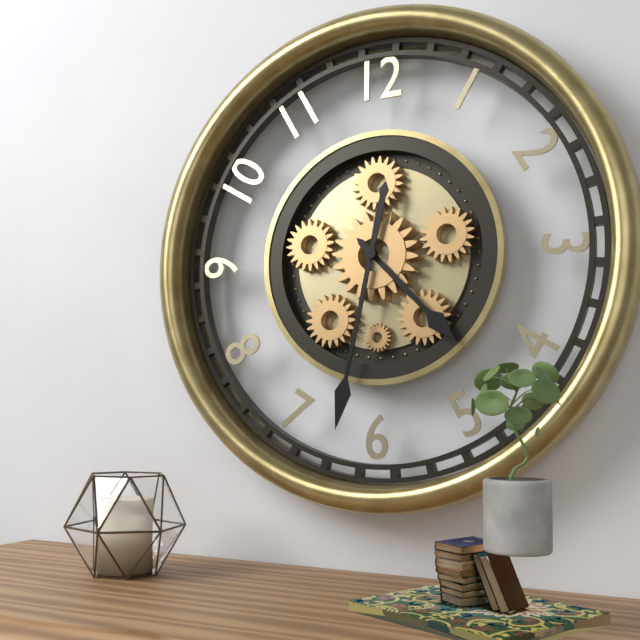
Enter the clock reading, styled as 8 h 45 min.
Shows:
4 h 32 min
